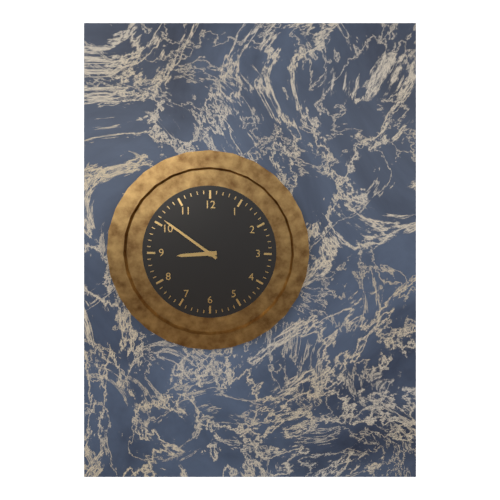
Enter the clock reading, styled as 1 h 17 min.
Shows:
8 h 51 min
